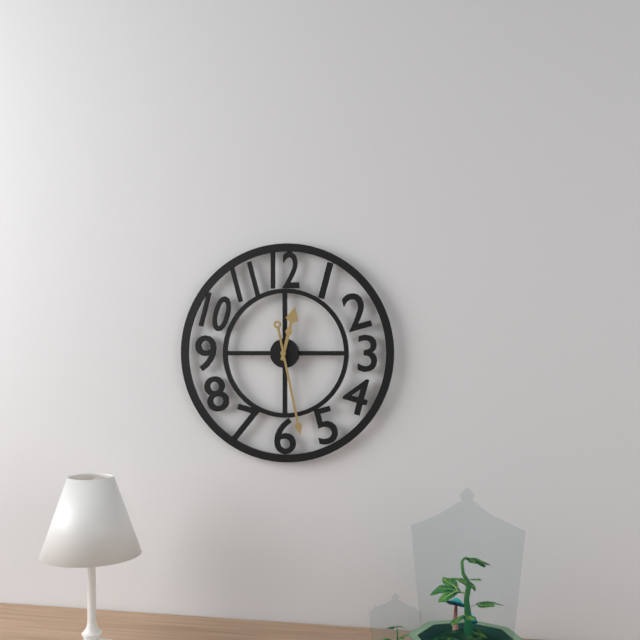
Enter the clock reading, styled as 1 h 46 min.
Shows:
12 h 28 min
